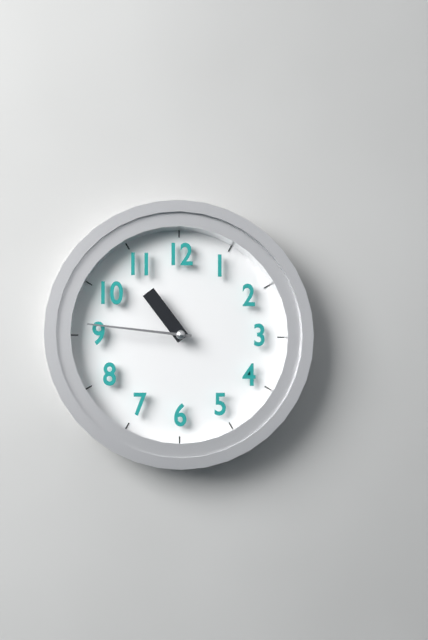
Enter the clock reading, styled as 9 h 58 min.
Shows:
10 h 46 min
